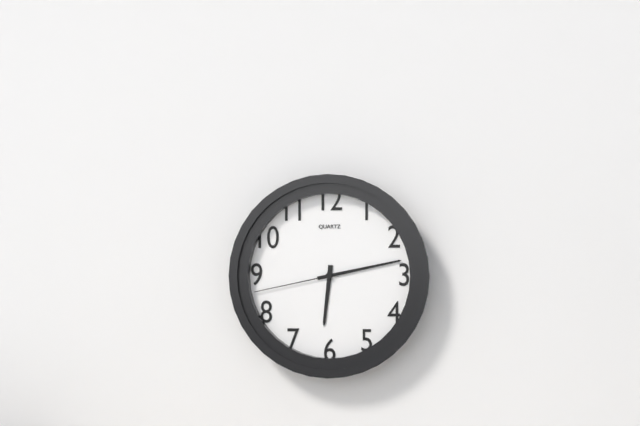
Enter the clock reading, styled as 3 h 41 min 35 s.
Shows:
6 h 13 min 43 s
